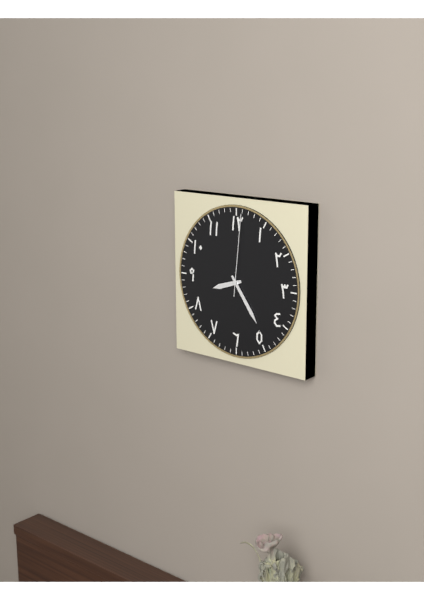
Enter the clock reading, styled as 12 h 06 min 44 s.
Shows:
8 h 24 min 01 s
